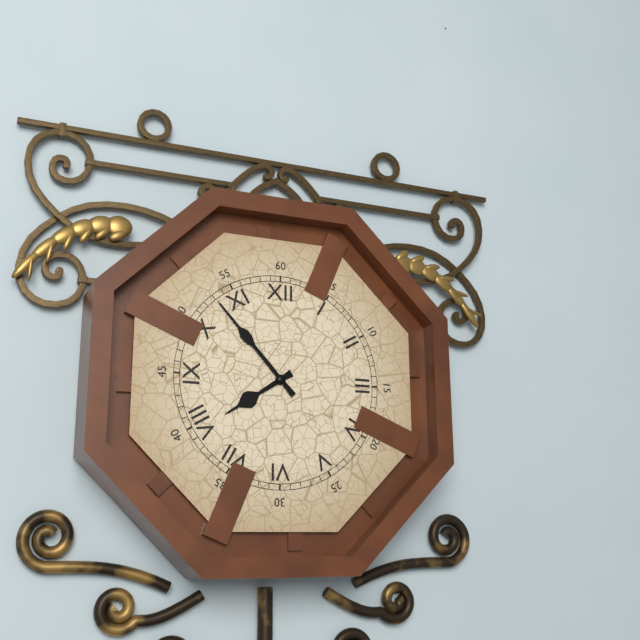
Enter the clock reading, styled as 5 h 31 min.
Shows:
7 h 53 min
